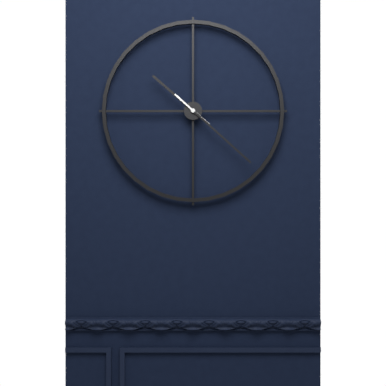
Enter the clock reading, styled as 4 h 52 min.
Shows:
10 h 22 min
